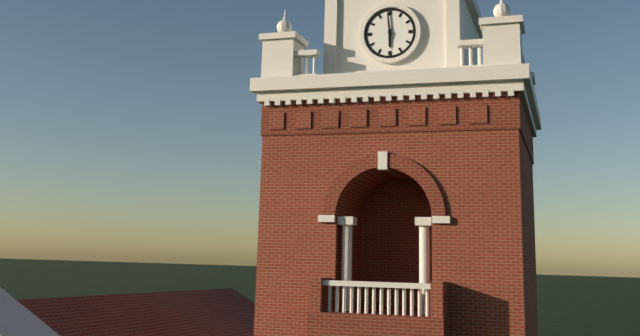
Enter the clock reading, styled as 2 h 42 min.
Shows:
5 h 59 min
